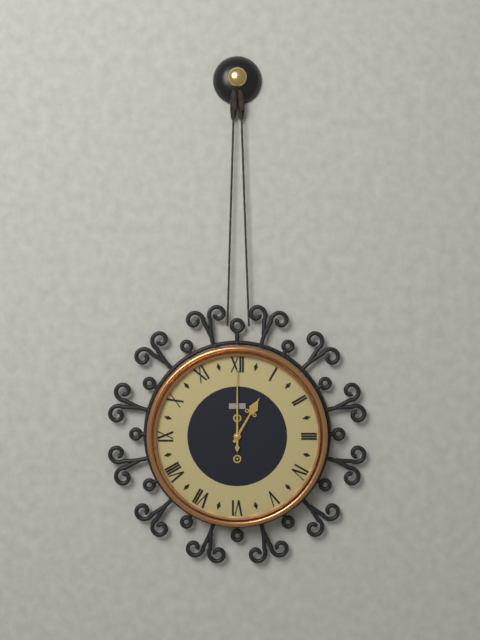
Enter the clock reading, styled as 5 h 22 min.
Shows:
1 h 00 min
